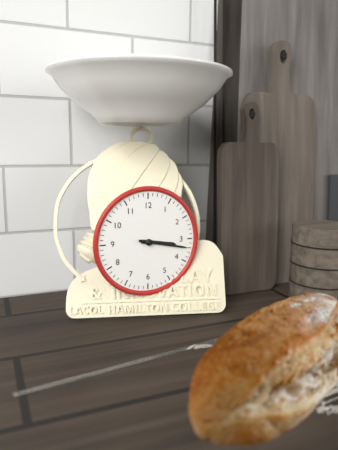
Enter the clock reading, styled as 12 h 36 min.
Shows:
3 h 17 min
